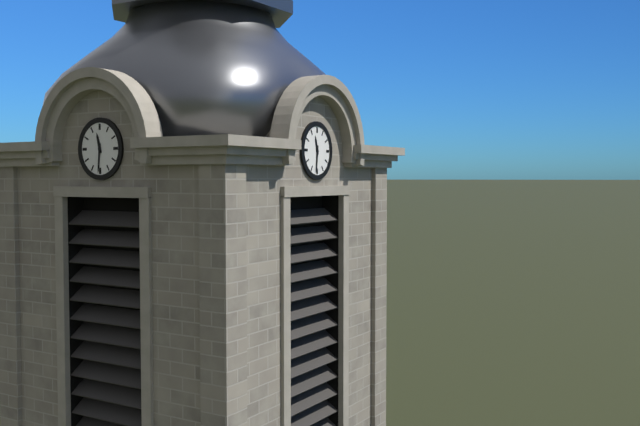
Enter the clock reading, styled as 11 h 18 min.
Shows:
11 h 31 min
